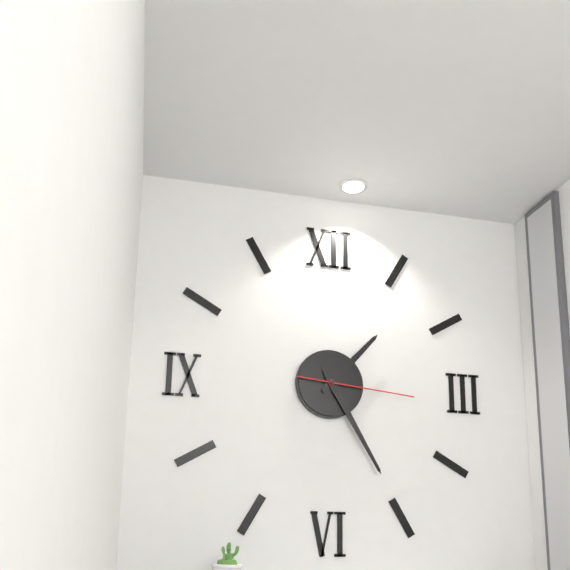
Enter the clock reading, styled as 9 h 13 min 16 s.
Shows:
1 h 25 min 16 s
